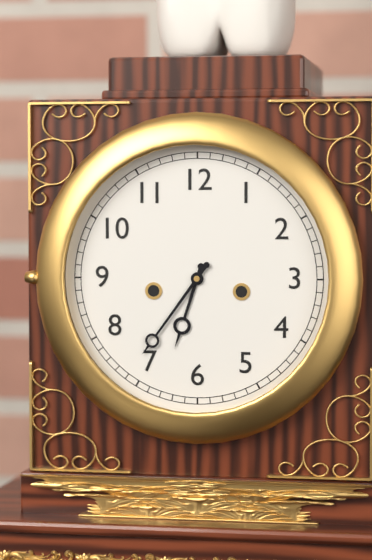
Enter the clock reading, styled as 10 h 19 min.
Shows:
6 h 36 min
